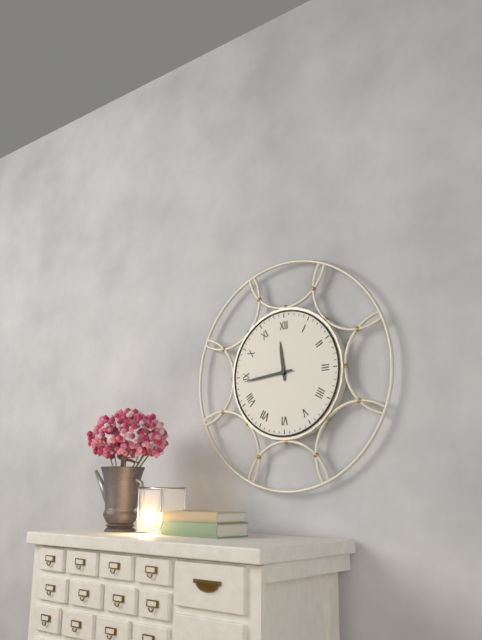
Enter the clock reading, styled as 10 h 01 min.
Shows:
11 h 44 min
